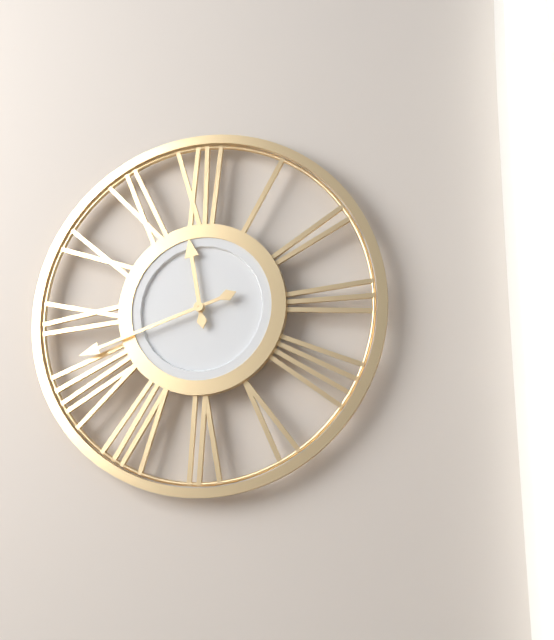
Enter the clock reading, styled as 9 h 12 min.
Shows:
11 h 42 min
